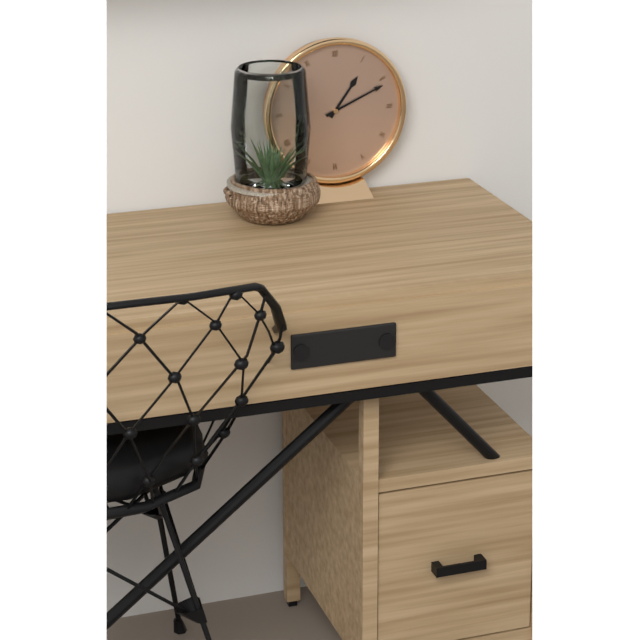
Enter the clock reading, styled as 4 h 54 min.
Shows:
1 h 11 min
